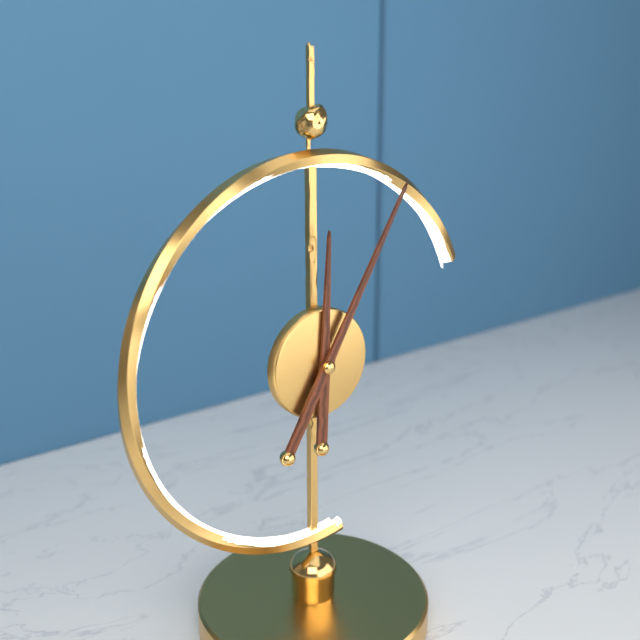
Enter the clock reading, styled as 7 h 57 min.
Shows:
12 h 05 min
